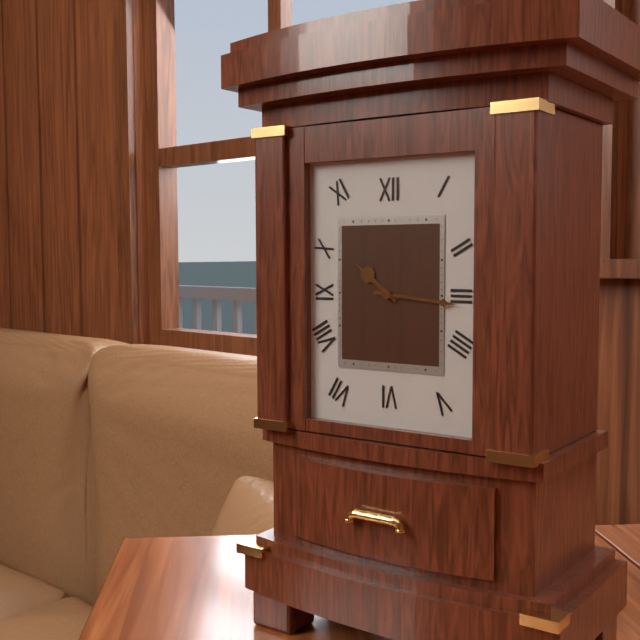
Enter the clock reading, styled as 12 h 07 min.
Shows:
10 h 16 min
